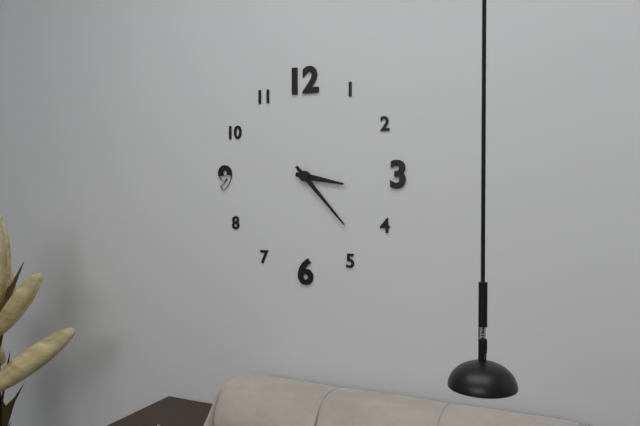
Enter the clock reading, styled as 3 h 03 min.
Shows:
3 h 23 min
